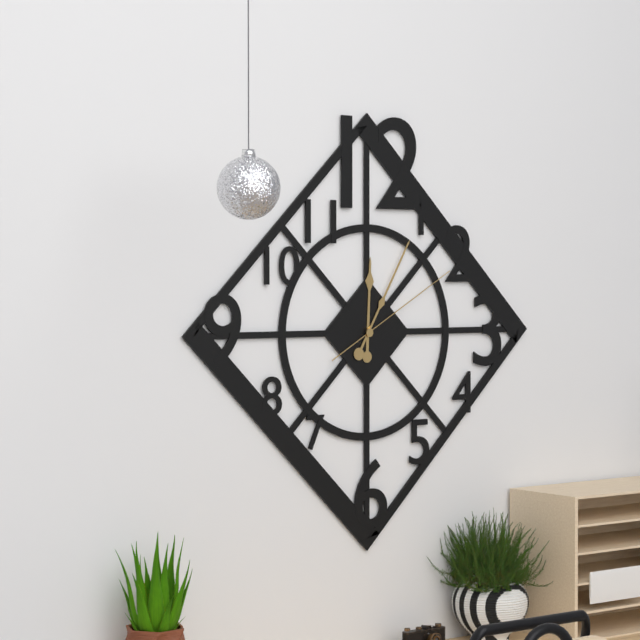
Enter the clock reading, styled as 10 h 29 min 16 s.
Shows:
12 h 05 min 10 s
